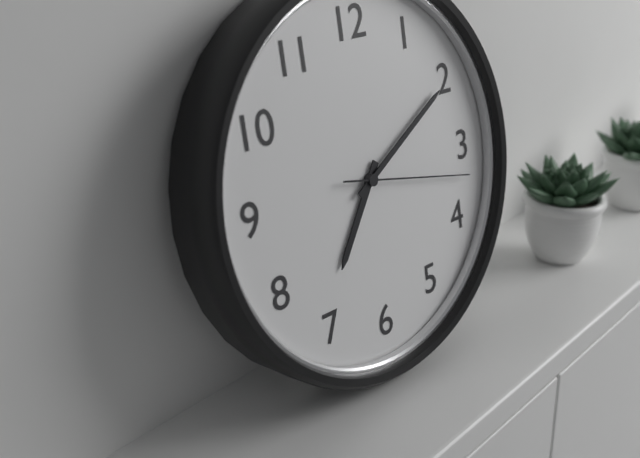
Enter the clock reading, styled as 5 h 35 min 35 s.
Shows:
7 h 10 min 17 s
